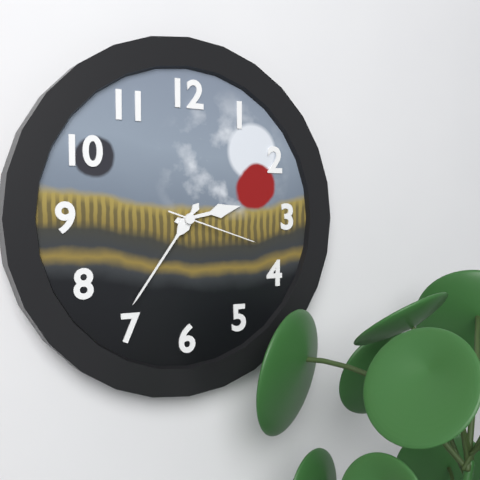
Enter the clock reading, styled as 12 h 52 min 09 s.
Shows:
2 h 36 min 18 s
